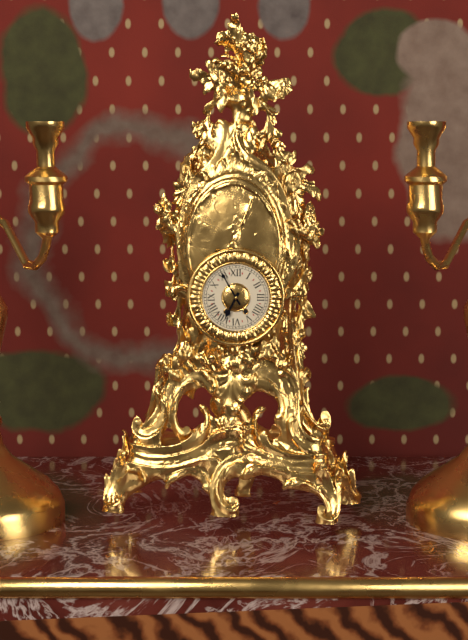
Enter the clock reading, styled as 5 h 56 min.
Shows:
6 h 55 min
